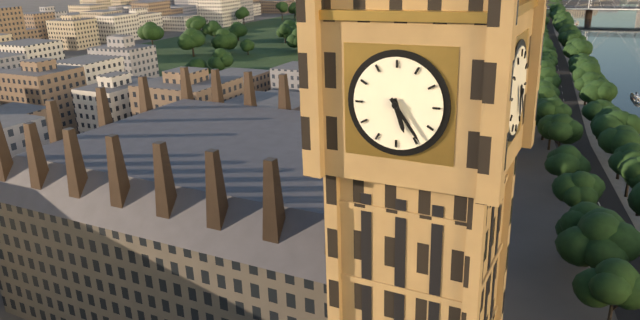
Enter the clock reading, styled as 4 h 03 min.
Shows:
5 h 24 min
